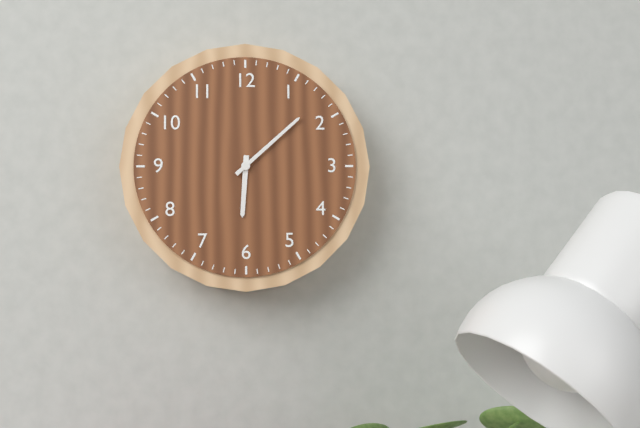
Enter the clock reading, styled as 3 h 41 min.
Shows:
6 h 08 min
